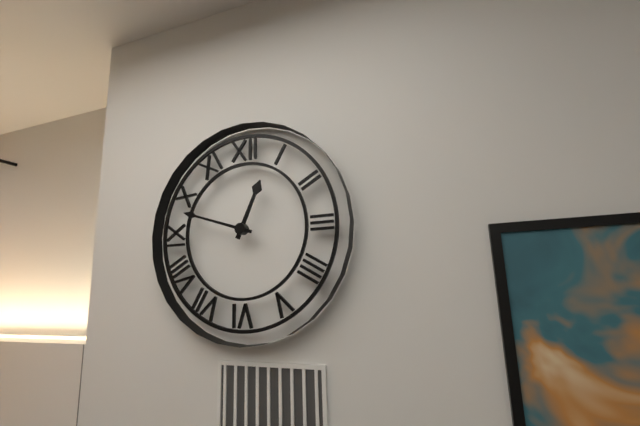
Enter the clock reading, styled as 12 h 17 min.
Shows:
12 h 48 min
